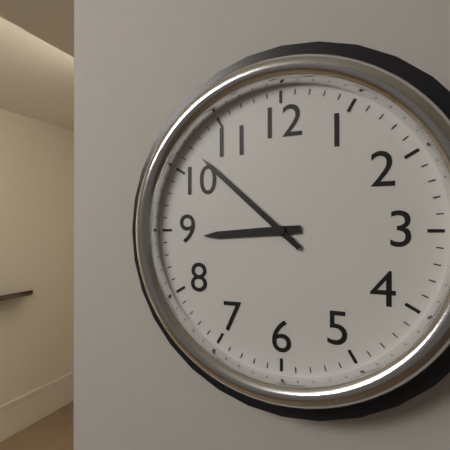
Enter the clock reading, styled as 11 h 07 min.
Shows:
8 h 52 min
